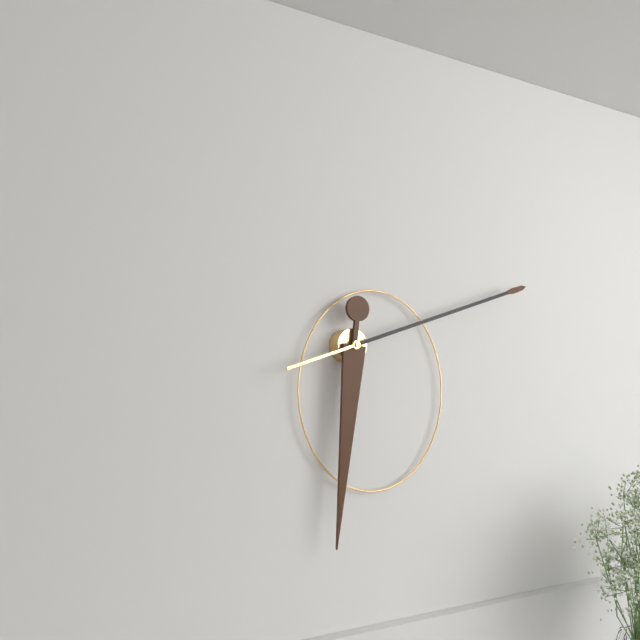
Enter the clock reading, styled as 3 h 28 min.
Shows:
6 h 12 min
